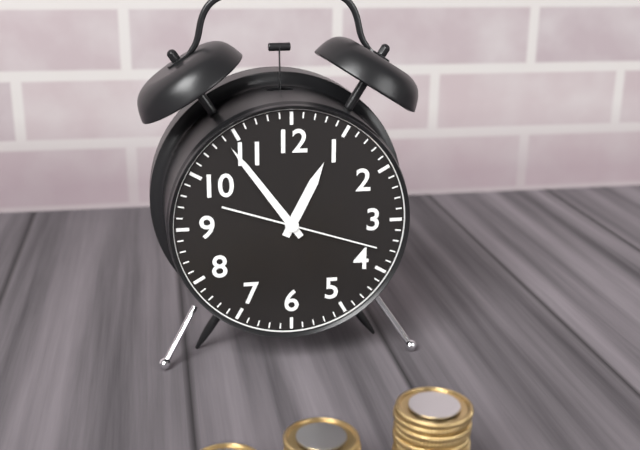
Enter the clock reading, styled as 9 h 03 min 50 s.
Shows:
12 h 54 min 18 s
